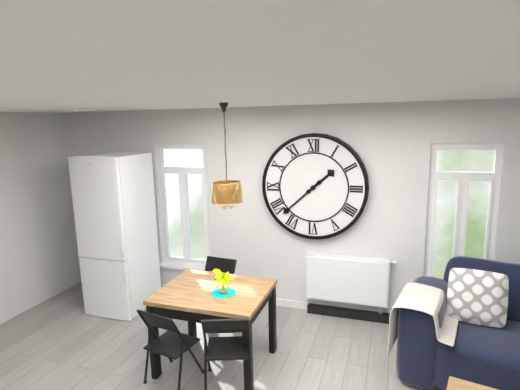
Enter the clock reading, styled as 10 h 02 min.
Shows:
1 h 38 min
